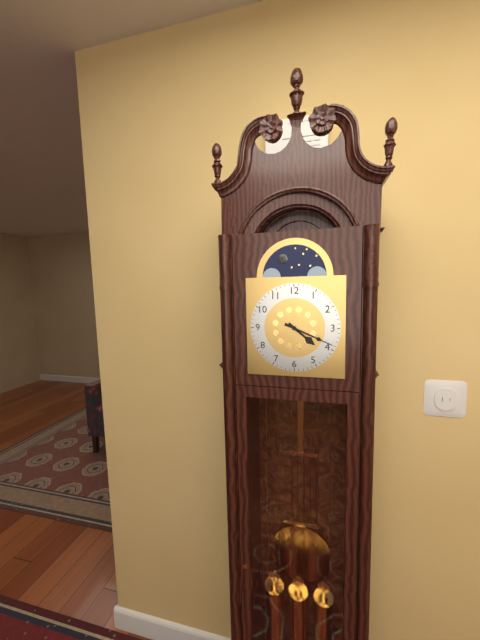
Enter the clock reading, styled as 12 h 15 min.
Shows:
4 h 19 min
